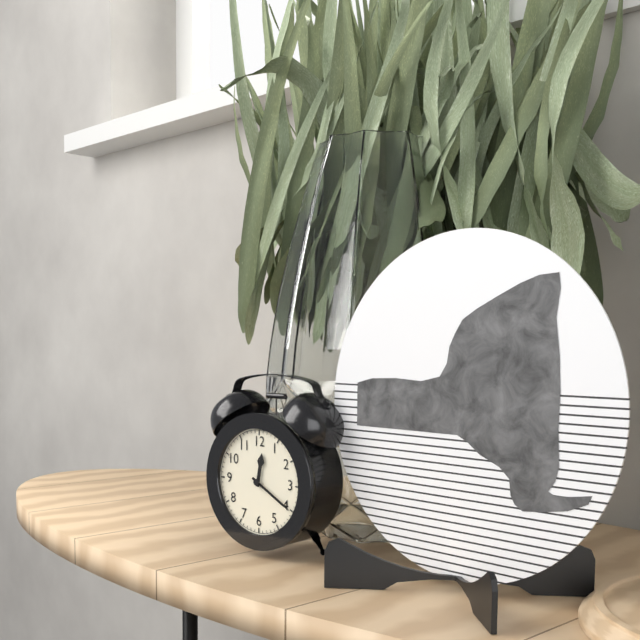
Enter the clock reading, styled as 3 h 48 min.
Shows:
12 h 20 min
